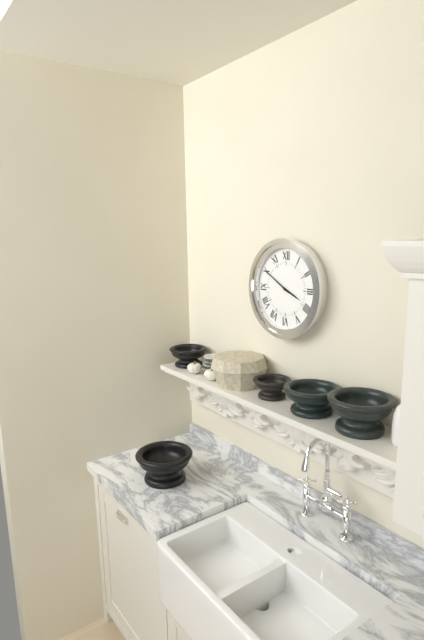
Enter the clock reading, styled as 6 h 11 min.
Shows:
3 h 50 min
